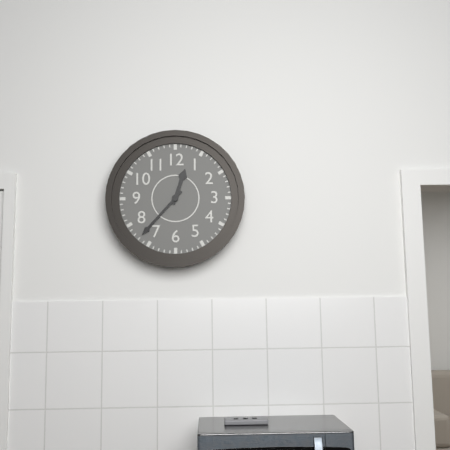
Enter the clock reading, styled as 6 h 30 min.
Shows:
12 h 37 min
